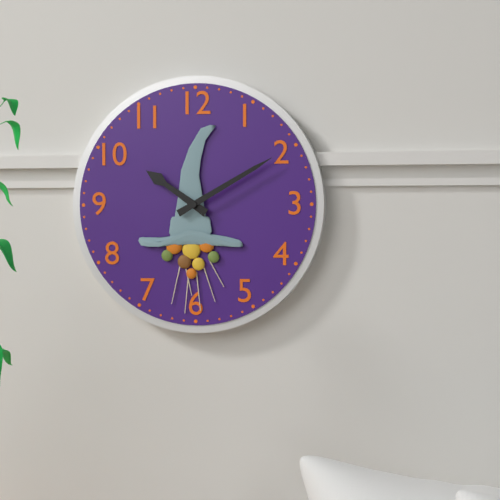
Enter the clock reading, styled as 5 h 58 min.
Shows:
10 h 10 min
